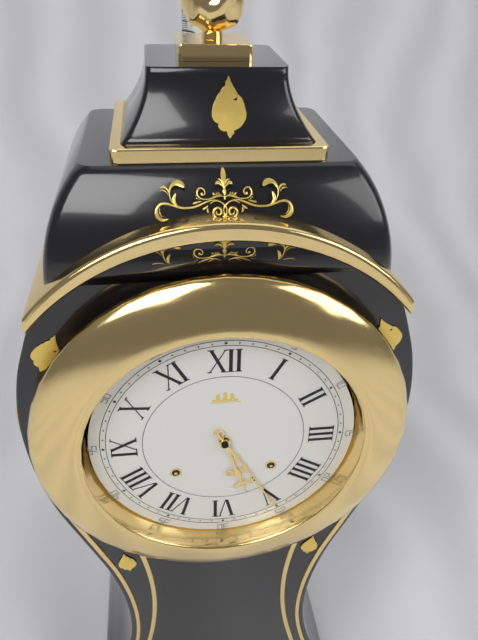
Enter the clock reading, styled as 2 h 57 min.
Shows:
5 h 25 min
